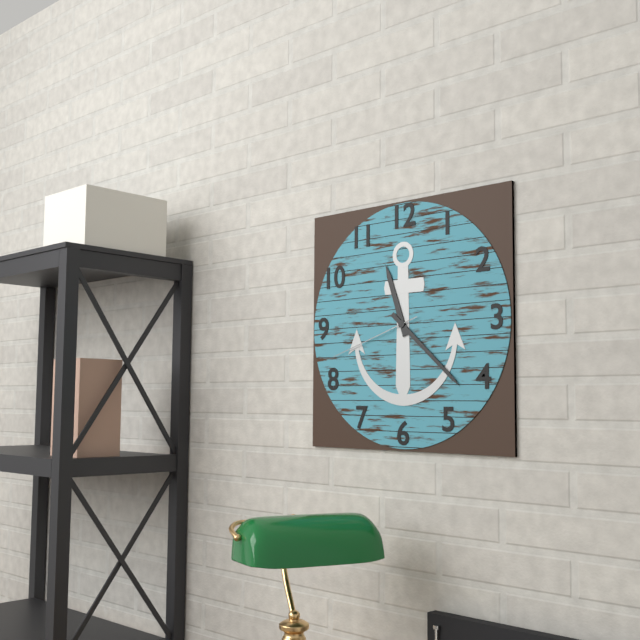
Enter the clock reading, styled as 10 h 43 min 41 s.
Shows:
11 h 22 min 42 s
